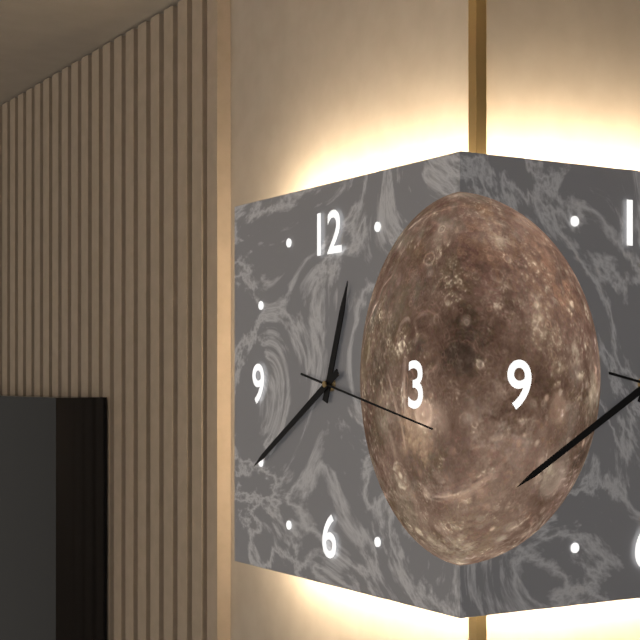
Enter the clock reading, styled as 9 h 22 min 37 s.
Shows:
12 h 40 min 17 s
